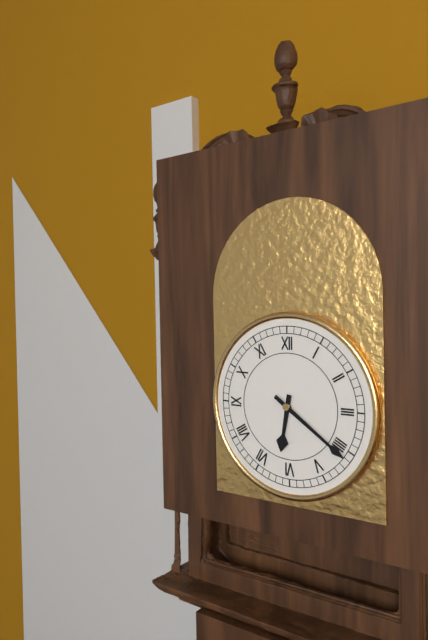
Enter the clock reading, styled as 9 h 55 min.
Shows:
6 h 21 min
